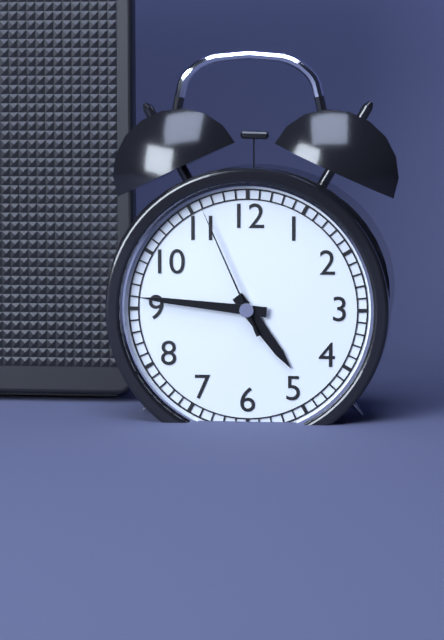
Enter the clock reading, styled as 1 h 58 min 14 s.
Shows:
4 h 46 min 56 s
